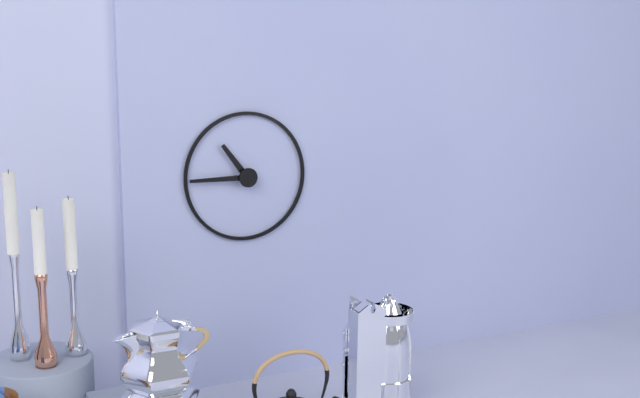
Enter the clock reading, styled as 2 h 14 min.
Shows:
10 h 45 min
